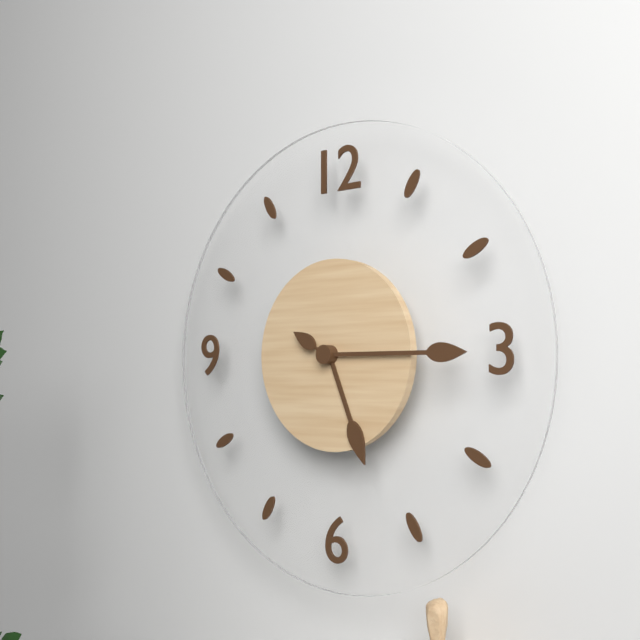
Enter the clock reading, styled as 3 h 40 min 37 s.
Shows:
5 h 15 min 50 s
